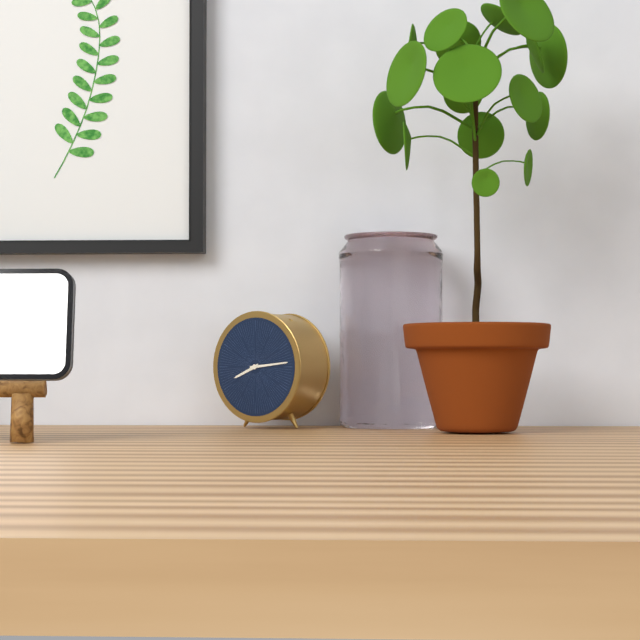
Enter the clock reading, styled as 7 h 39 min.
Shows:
8 h 14 min
